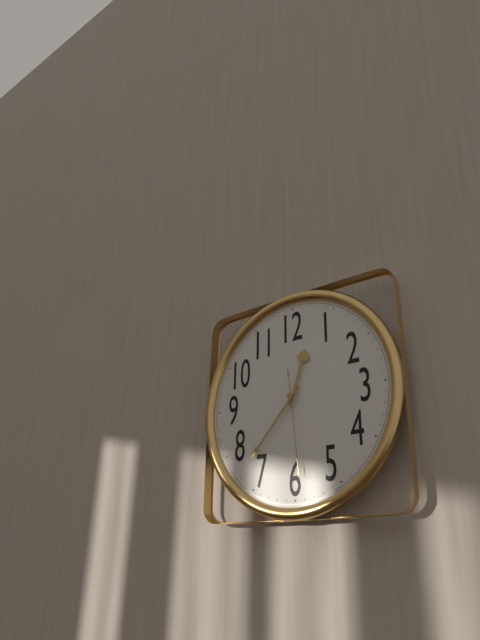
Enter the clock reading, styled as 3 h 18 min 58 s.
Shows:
12 h 37 min 29 s
